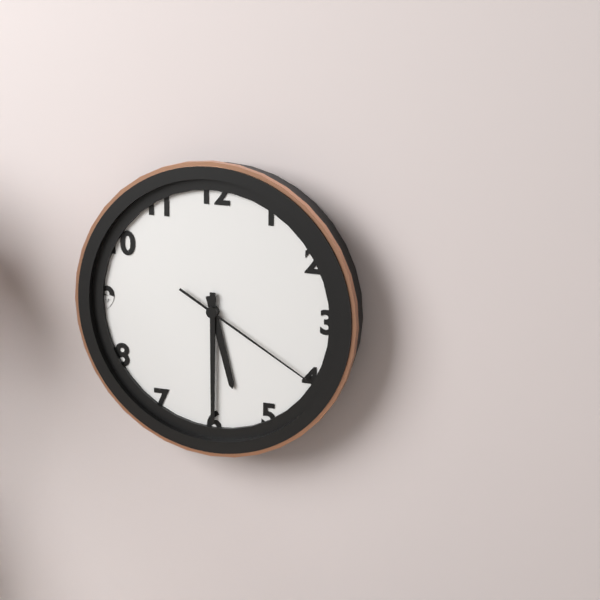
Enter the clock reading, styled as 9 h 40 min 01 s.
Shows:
5 h 30 min 20 s
